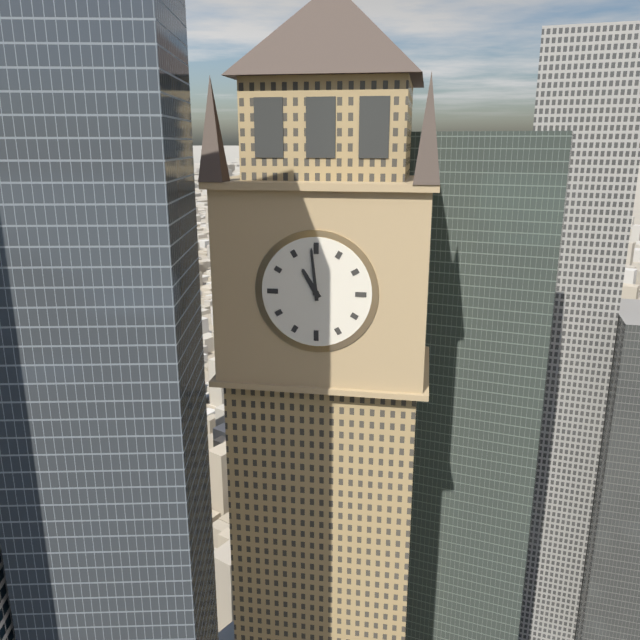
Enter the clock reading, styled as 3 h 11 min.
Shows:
10 h 59 min
